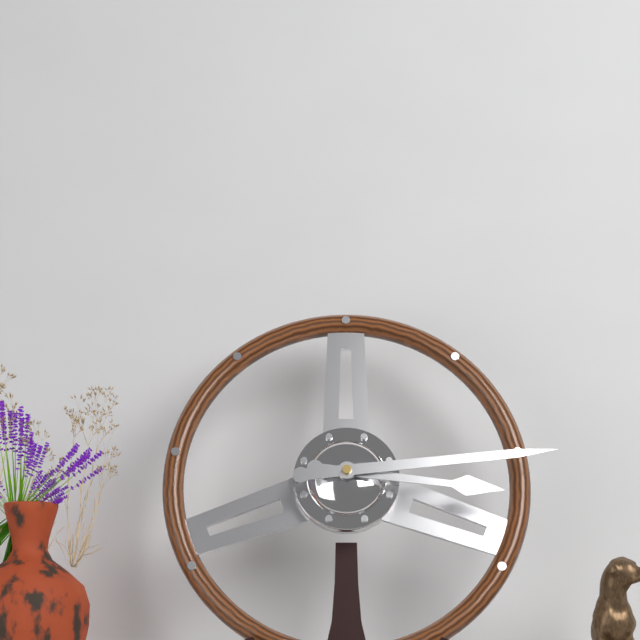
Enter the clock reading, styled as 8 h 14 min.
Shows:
3 h 14 min
